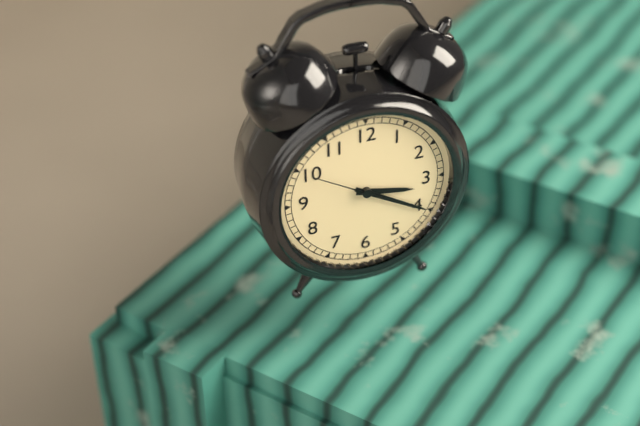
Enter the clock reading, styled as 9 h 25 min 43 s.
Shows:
3 h 20 min 50 s
